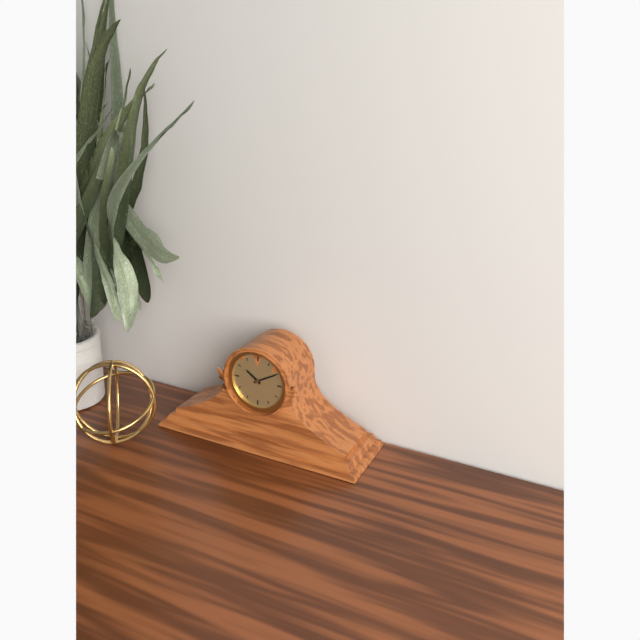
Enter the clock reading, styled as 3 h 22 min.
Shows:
10 h 10 min
